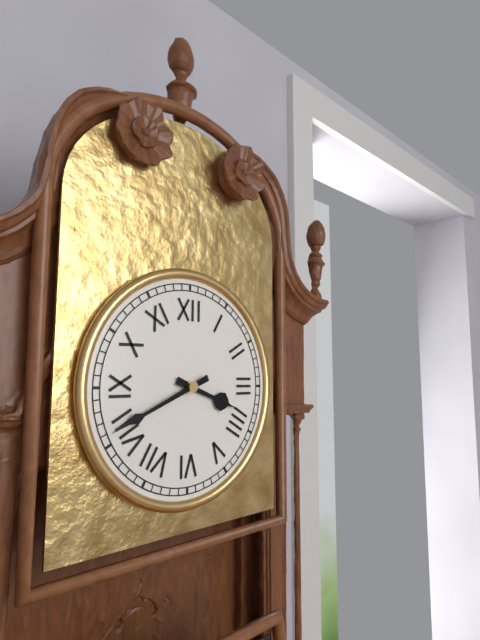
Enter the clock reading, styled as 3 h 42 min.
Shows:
3 h 41 min
